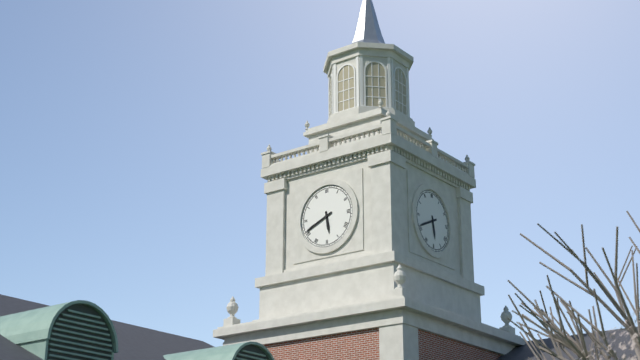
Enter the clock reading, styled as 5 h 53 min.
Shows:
5 h 41 min
